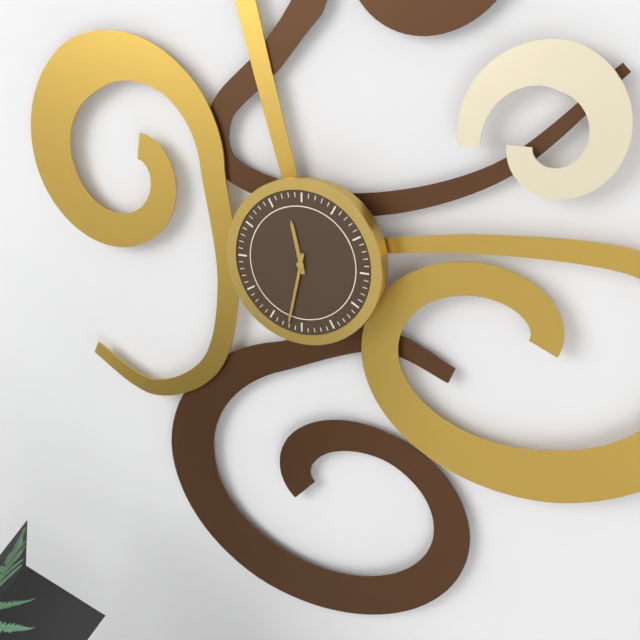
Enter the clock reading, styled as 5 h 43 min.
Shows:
11 h 32 min
